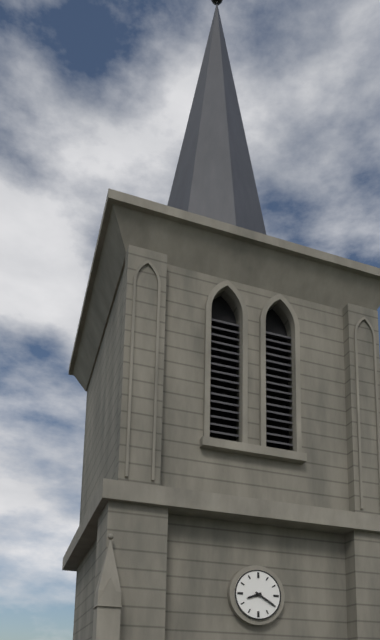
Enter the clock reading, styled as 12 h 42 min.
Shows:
8 h 20 min
